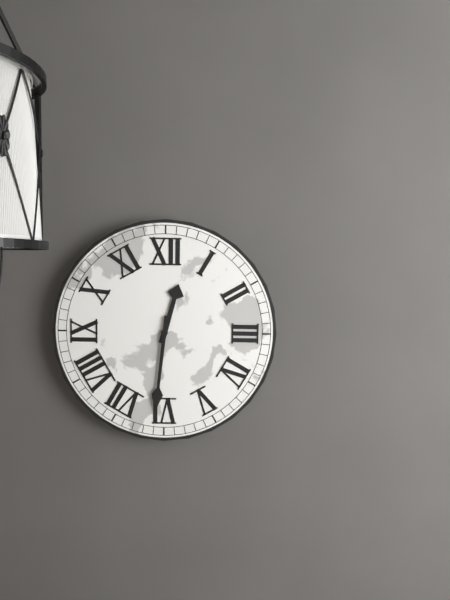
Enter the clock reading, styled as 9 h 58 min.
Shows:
12 h 31 min
